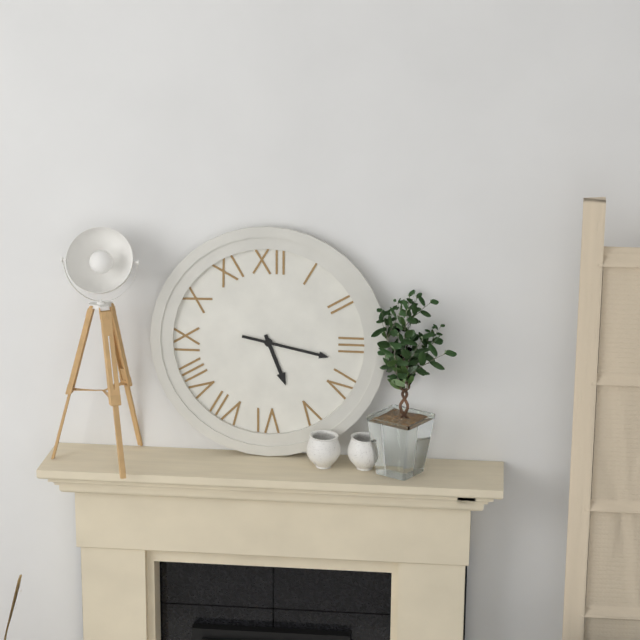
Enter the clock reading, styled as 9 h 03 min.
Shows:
5 h 17 min
